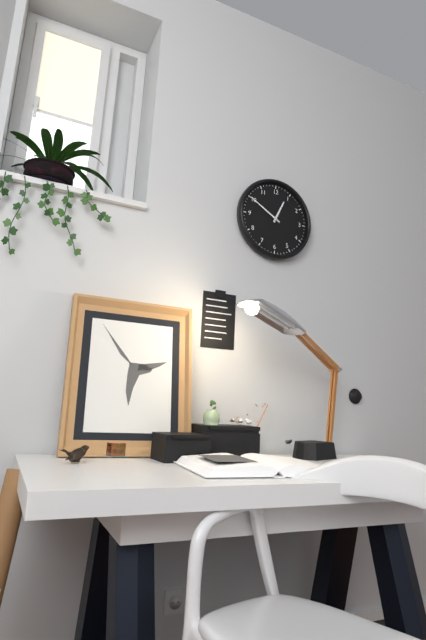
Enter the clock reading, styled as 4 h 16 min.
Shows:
12 h 50 min
